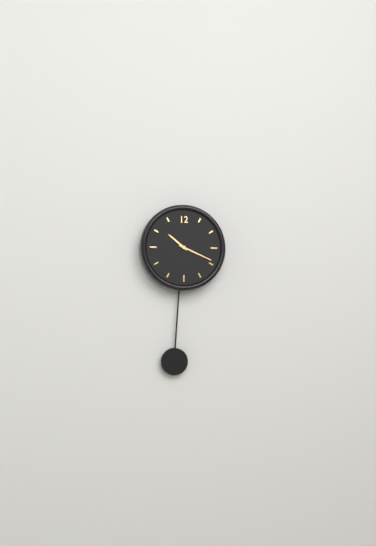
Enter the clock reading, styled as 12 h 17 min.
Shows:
10 h 19 min
